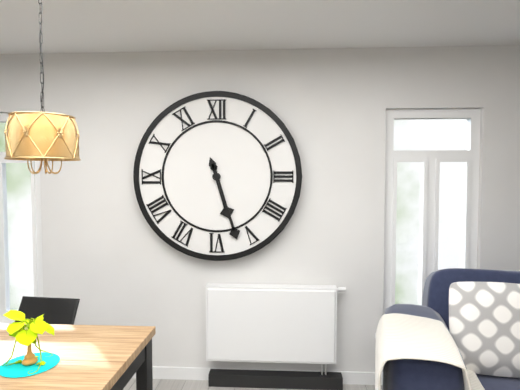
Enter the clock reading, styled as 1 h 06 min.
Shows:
5 h 27 min
